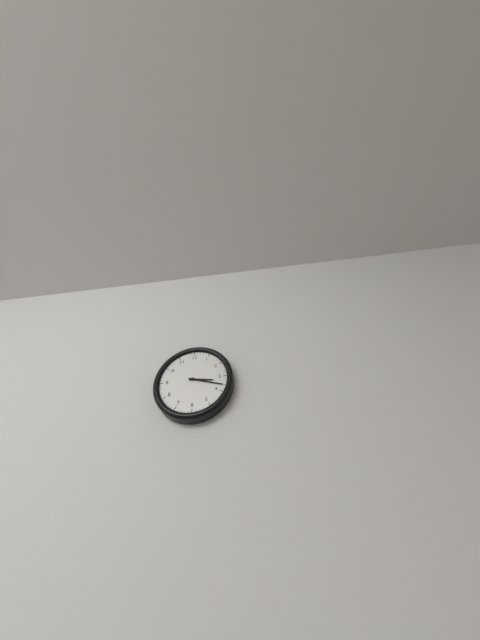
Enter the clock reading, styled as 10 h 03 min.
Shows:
3 h 18 min
